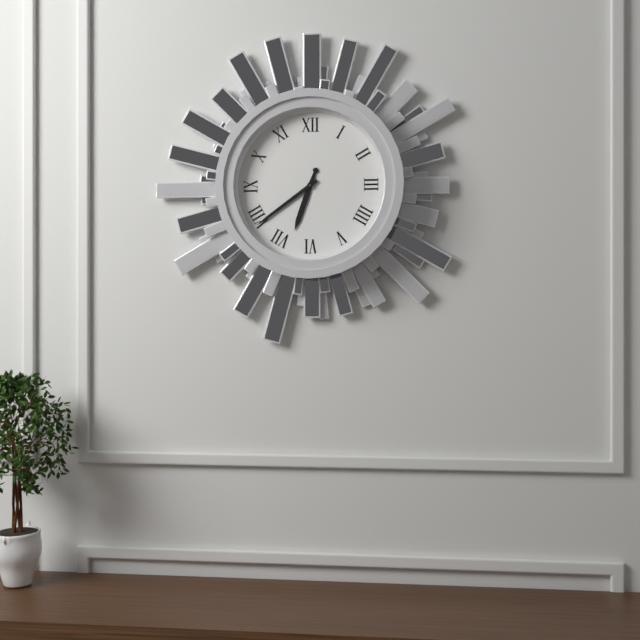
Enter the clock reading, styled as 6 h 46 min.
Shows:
6 h 39 min
